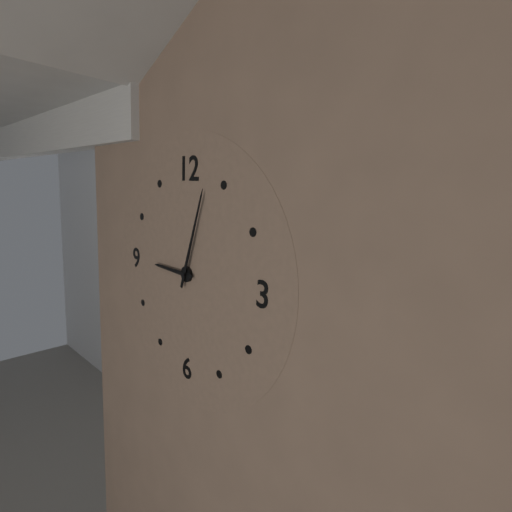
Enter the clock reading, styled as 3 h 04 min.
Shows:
9 h 03 min
